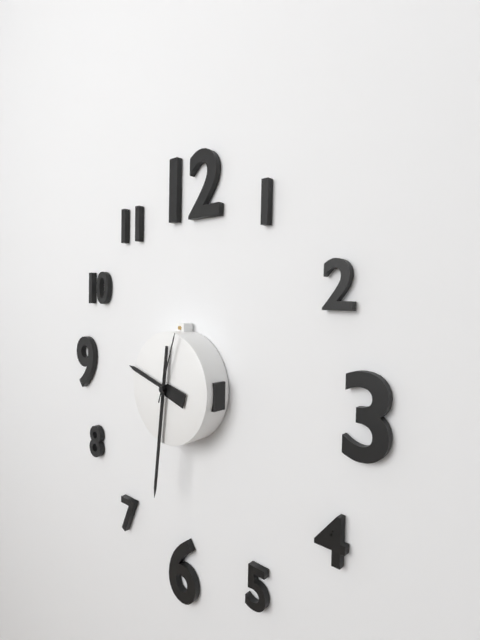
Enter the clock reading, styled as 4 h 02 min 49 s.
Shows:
9 h 31 min 03 s
